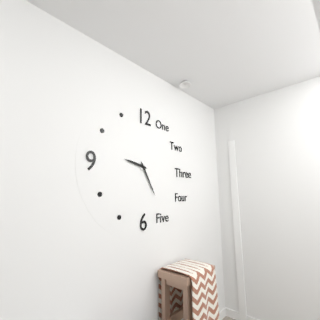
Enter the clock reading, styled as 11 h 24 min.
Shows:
9 h 25 min
